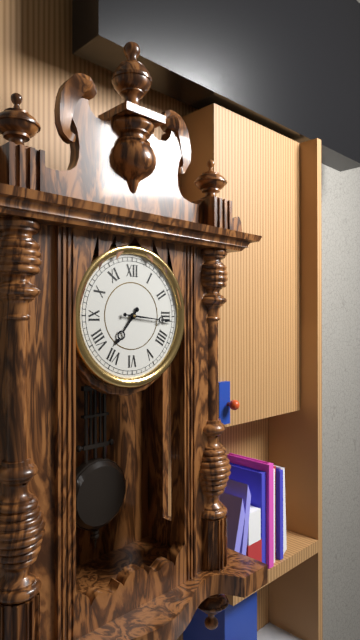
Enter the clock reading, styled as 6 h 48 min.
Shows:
7 h 16 min
